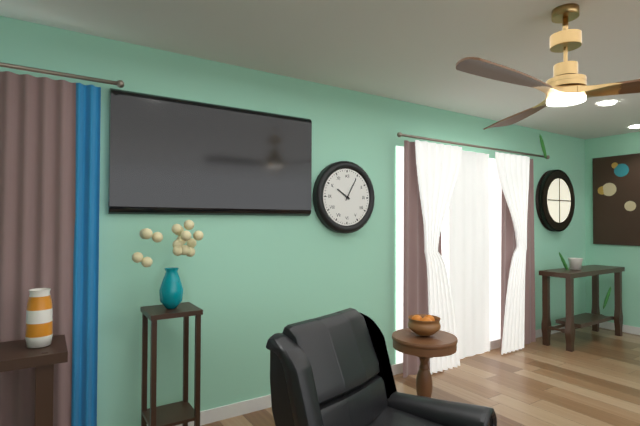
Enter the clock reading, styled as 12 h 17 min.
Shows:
10 h 05 min
